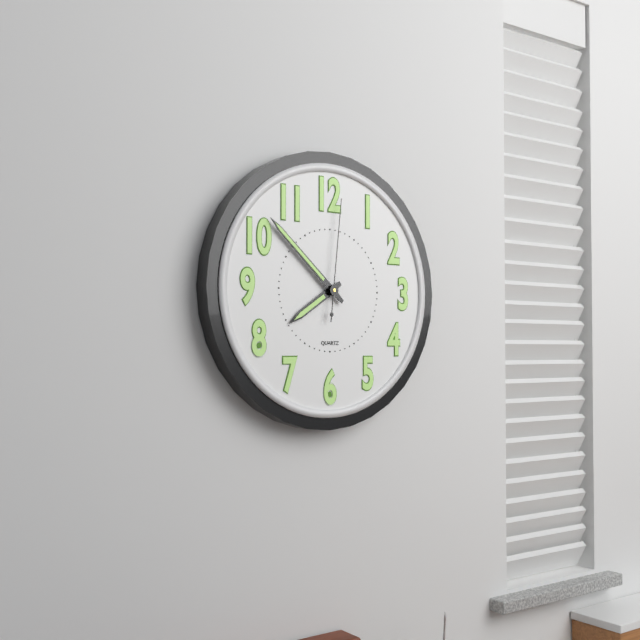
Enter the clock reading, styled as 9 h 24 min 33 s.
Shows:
7 h 52 min 01 s
